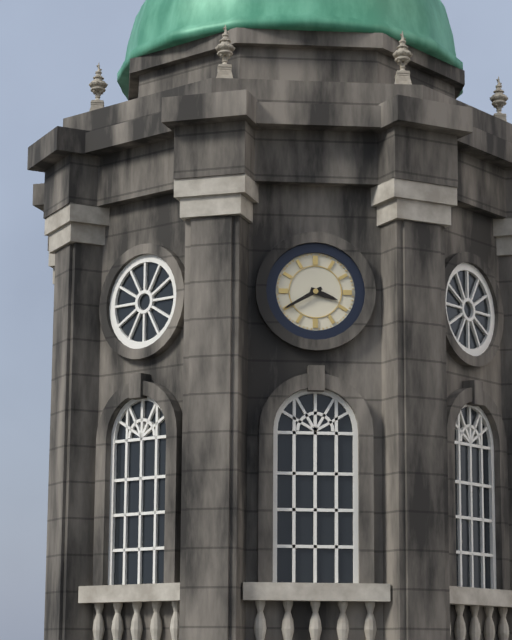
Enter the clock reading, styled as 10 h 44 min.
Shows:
3 h 40 min
